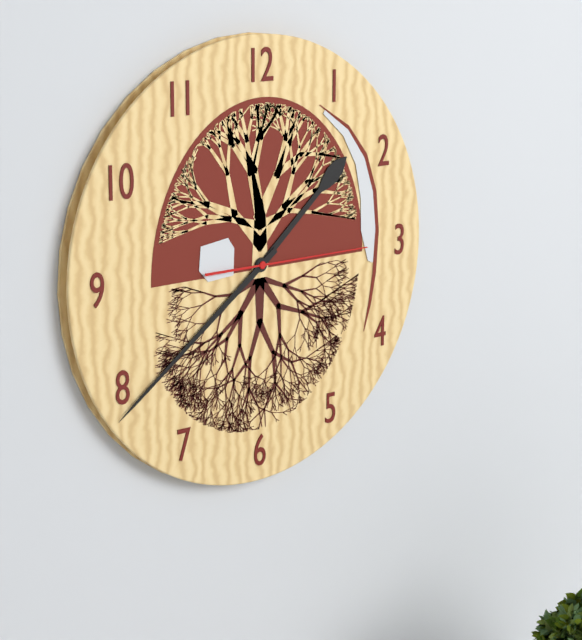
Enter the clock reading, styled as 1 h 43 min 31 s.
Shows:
1 h 39 min 15 s
